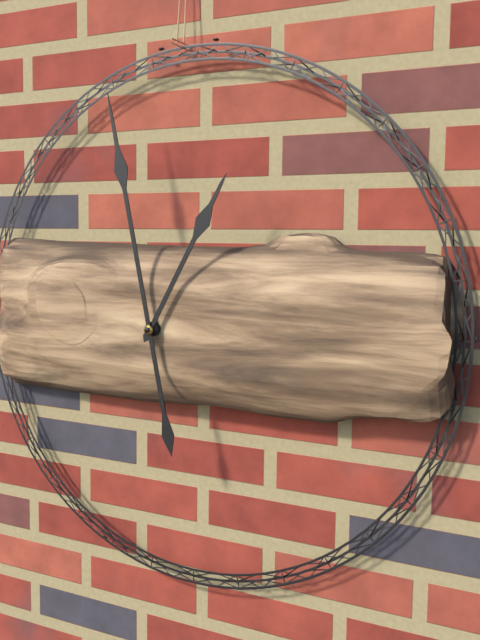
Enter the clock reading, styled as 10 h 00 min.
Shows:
12 h 58 min
